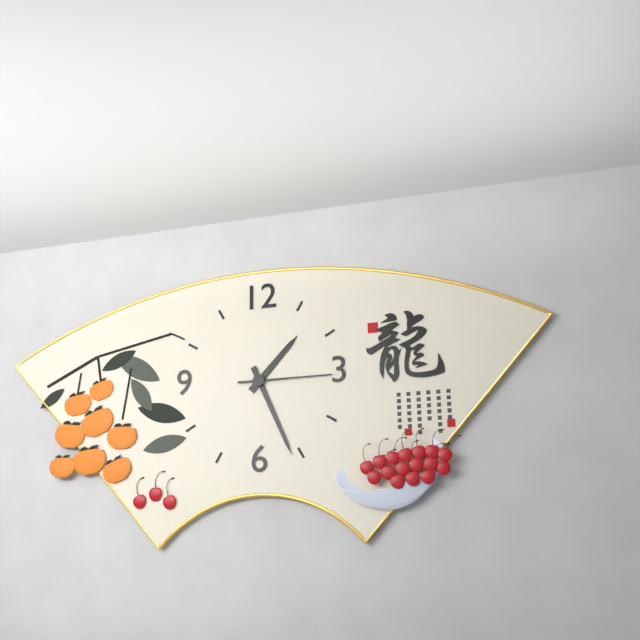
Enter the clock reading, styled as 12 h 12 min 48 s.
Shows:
1 h 26 min 15 s
